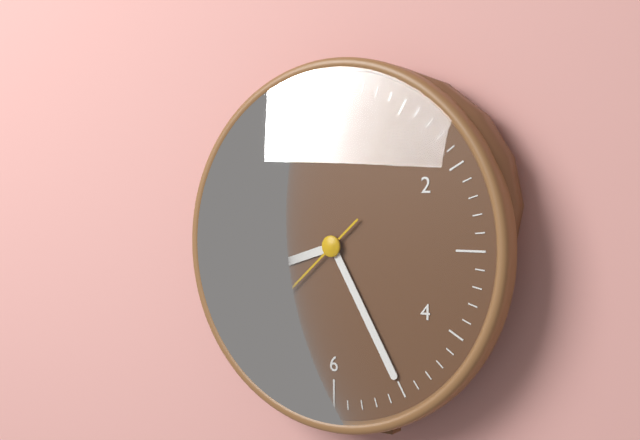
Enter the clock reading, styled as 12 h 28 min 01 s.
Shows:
8 h 25 min 38 s
